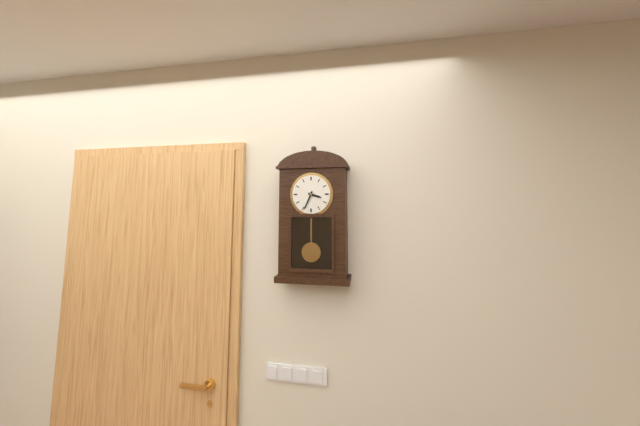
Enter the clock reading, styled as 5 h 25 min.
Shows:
3 h 34 min
